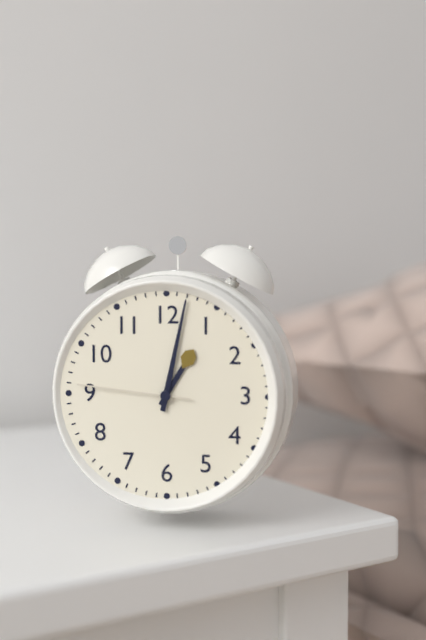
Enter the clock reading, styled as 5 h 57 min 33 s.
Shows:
1 h 02 min 46 s
